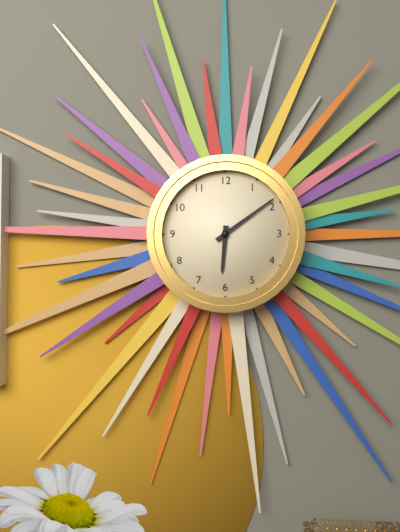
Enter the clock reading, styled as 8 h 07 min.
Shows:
6 h 09 min
